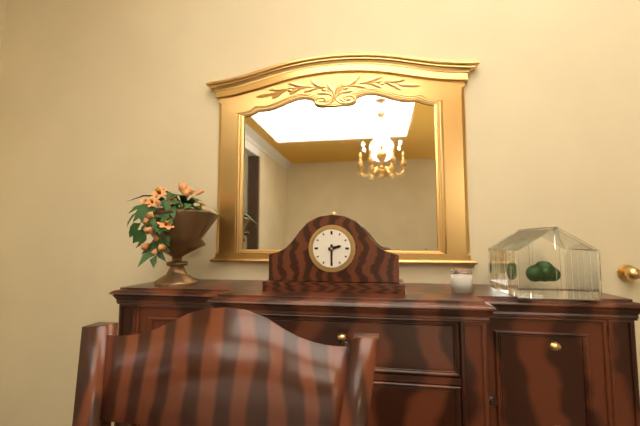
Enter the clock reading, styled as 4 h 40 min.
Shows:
2 h 30 min
